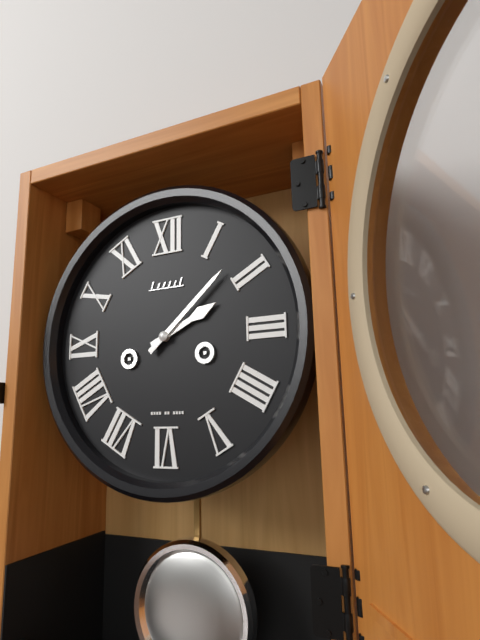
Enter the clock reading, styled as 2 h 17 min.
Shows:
2 h 08 min
